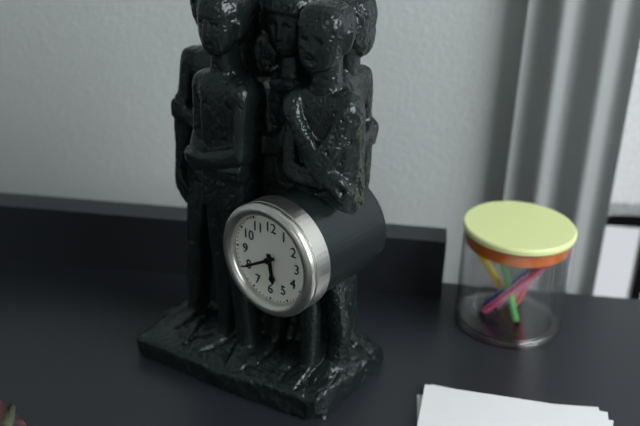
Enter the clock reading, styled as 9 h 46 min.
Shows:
5 h 40 min
